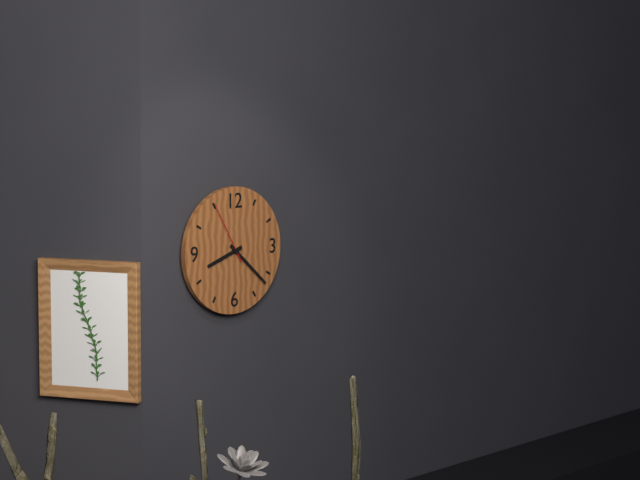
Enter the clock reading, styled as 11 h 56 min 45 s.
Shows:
8 h 22 min 55 s
